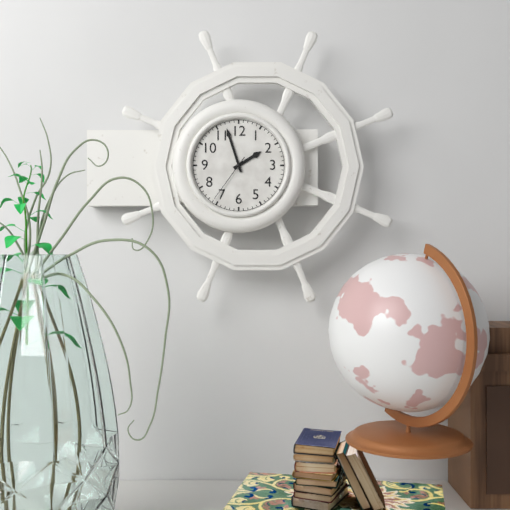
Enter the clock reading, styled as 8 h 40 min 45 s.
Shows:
1 h 57 min 36 s
